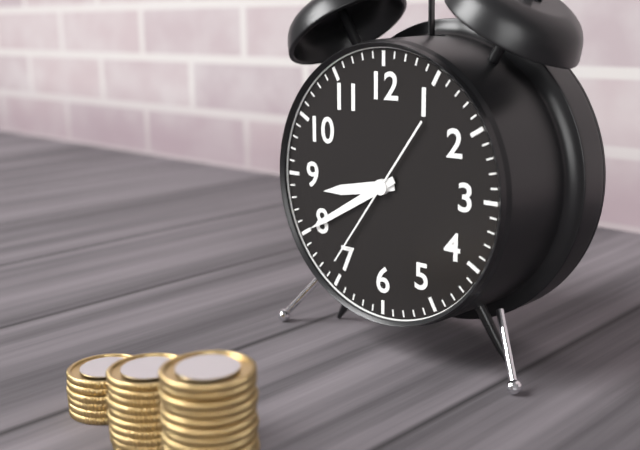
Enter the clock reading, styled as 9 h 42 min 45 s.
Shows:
8 h 40 min 36 s
